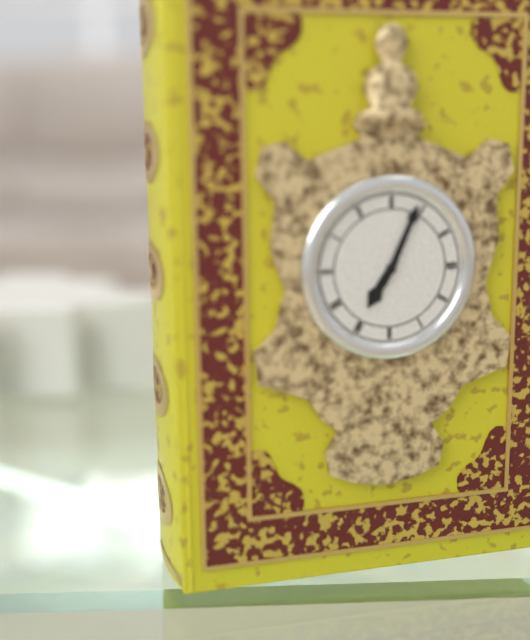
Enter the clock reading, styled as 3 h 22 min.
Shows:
7 h 04 min
